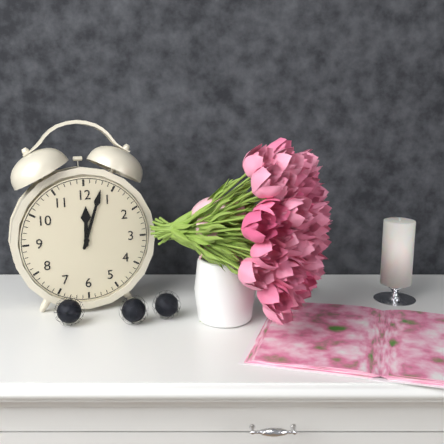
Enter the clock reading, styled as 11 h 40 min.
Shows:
12 h 03 min
